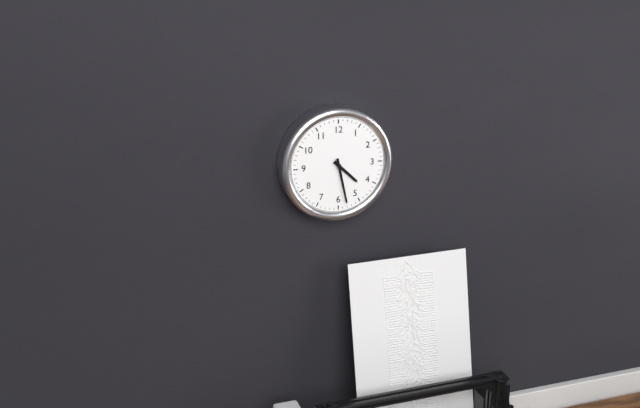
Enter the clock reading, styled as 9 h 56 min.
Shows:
4 h 28 min
